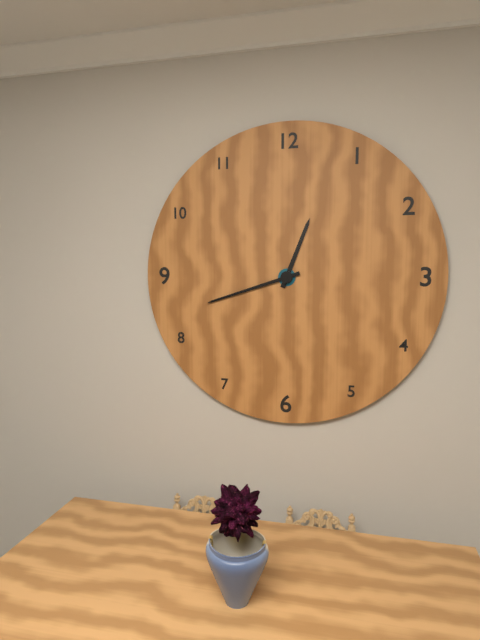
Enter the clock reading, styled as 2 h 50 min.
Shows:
12 h 42 min
